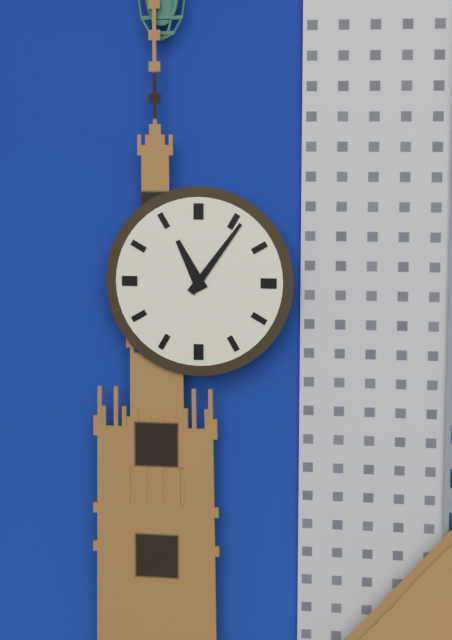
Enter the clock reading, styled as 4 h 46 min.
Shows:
11 h 06 min
